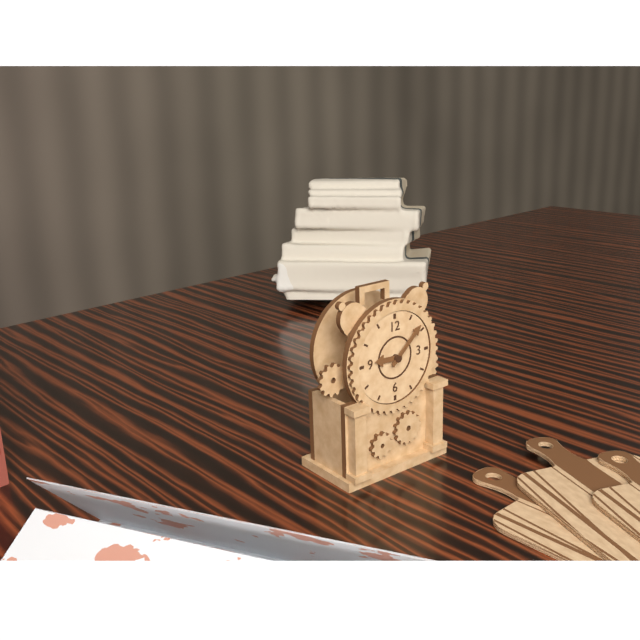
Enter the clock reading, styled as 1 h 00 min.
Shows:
9 h 08 min
